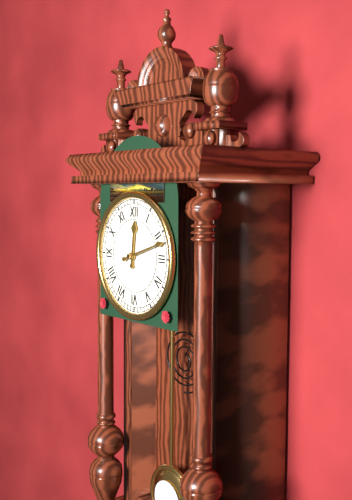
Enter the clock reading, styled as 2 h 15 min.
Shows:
12 h 12 min
